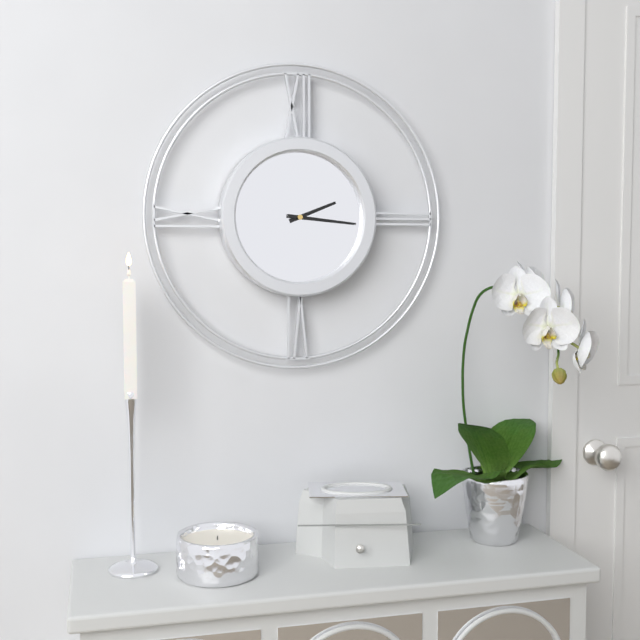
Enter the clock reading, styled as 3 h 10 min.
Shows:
2 h 16 min
